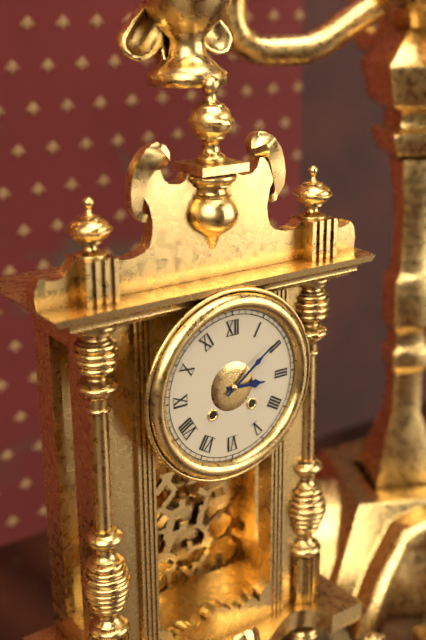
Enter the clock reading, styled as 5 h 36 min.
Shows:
3 h 09 min
